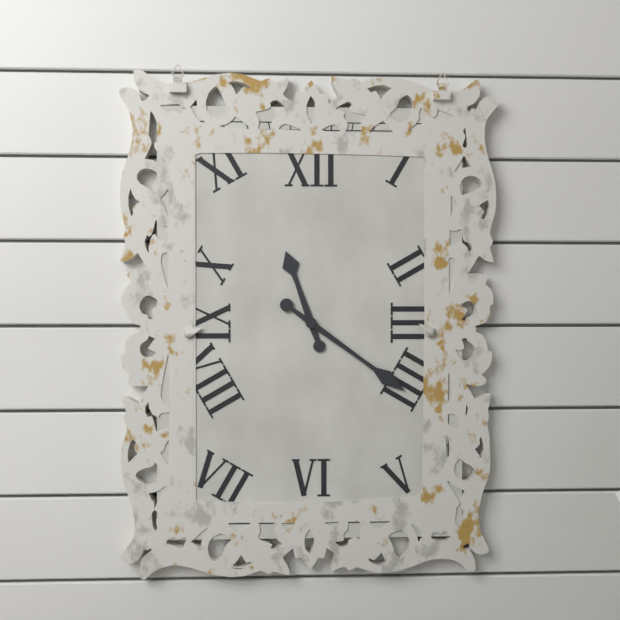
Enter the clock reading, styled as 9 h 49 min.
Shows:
11 h 21 min
